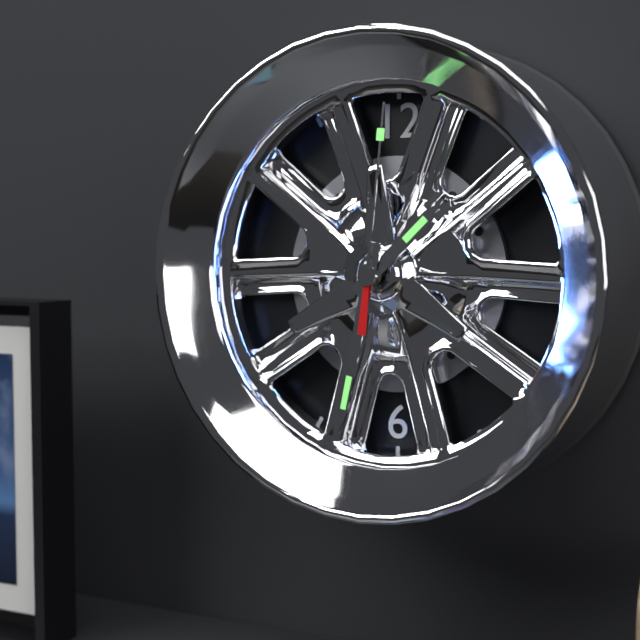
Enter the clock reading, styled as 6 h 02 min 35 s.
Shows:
1 h 32 min 01 s
